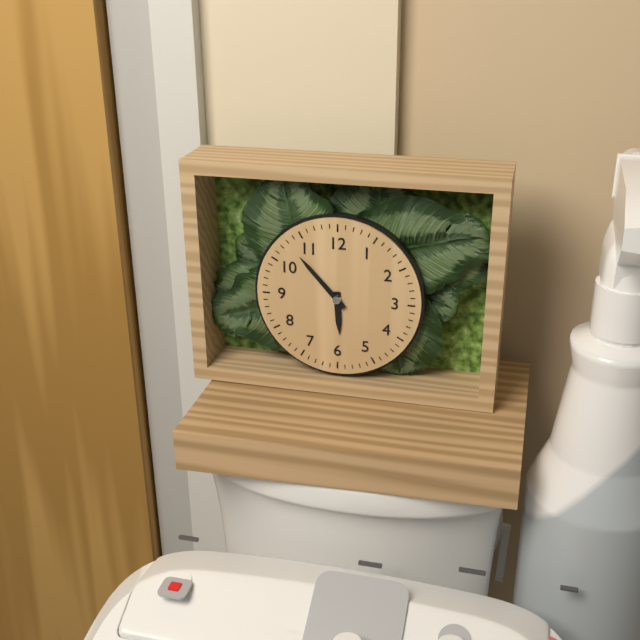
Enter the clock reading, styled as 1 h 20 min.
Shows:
5 h 53 min
